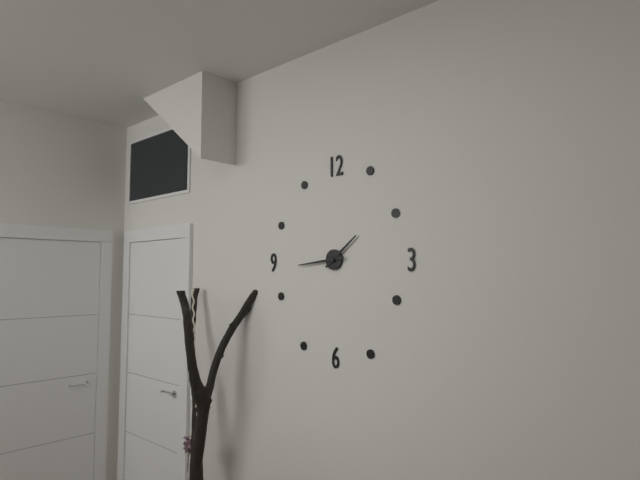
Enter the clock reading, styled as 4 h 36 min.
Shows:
1 h 44 min
